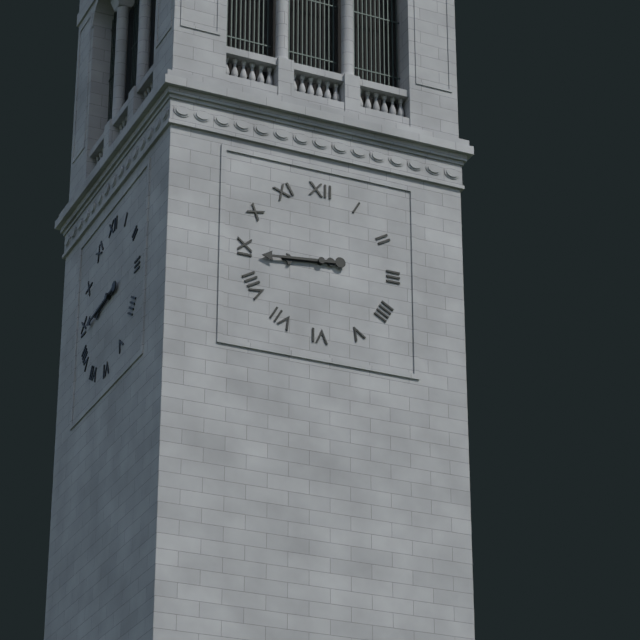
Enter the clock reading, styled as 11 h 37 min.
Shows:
8 h 44 min
